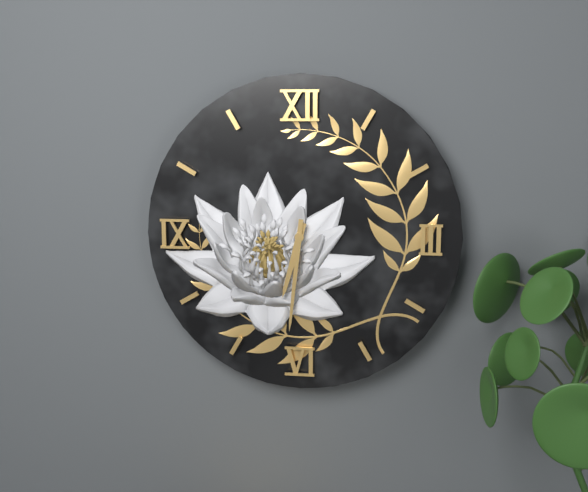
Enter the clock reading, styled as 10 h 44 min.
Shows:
6 h 31 min
